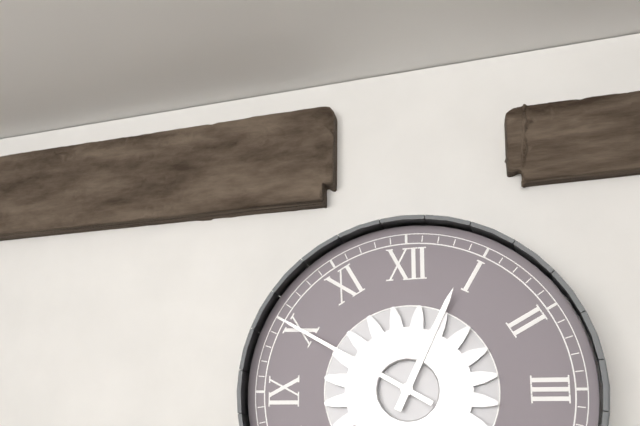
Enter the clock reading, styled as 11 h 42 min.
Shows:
12 h 50 min
